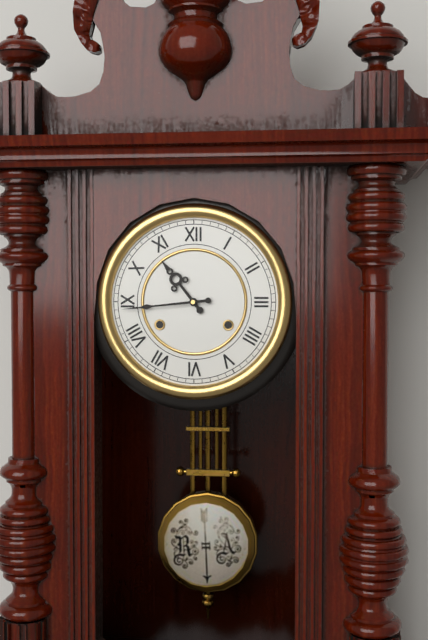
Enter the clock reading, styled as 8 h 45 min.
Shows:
10 h 44 min
